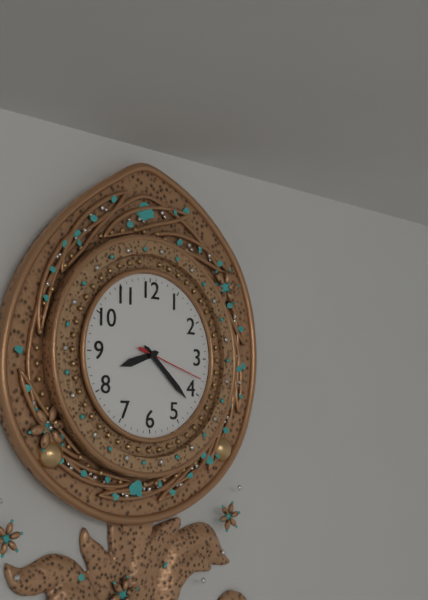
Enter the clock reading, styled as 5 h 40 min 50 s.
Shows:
8 h 22 min 18 s
